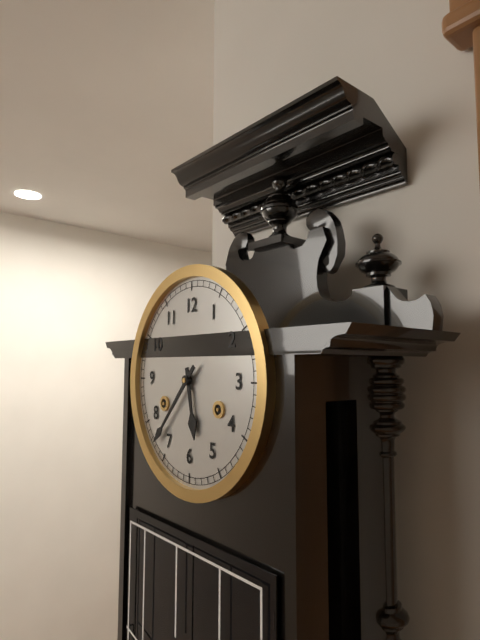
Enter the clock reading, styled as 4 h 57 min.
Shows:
5 h 37 min
